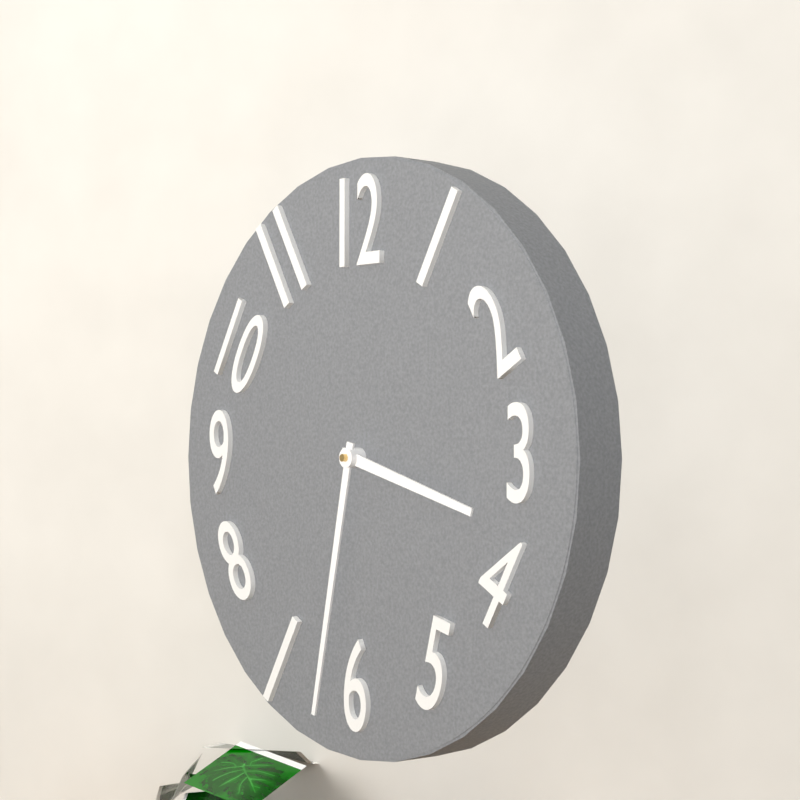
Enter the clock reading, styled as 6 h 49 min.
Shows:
3 h 32 min
